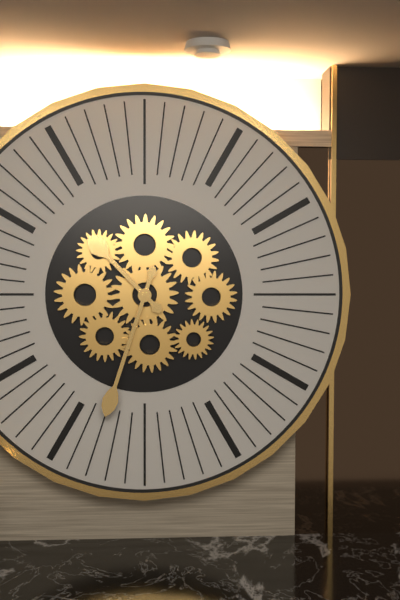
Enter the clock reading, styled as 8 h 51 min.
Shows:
10 h 33 min
